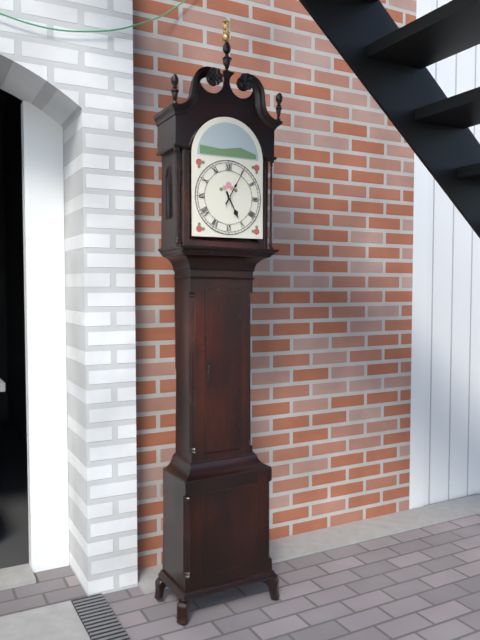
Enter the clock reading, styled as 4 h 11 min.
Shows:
5 h 05 min
